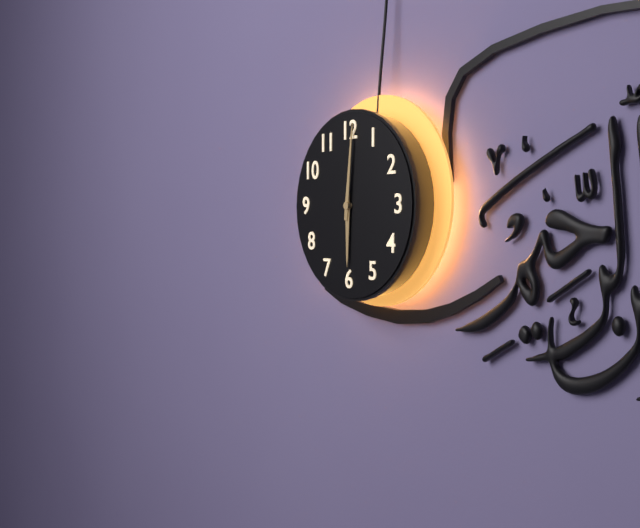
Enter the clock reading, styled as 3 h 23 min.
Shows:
6 h 01 min
